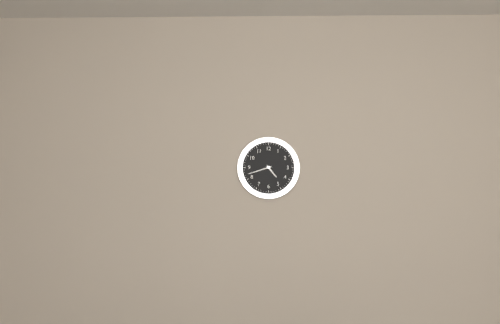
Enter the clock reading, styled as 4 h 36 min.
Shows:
4 h 42 min
